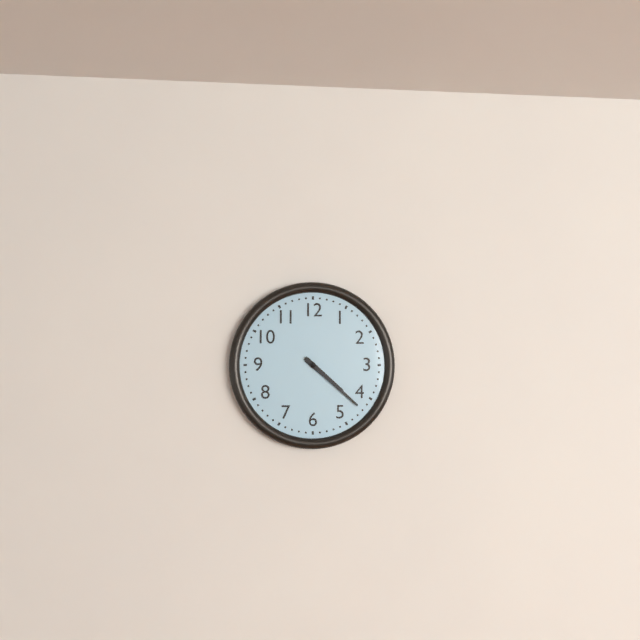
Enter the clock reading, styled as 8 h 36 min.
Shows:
4 h 22 min
